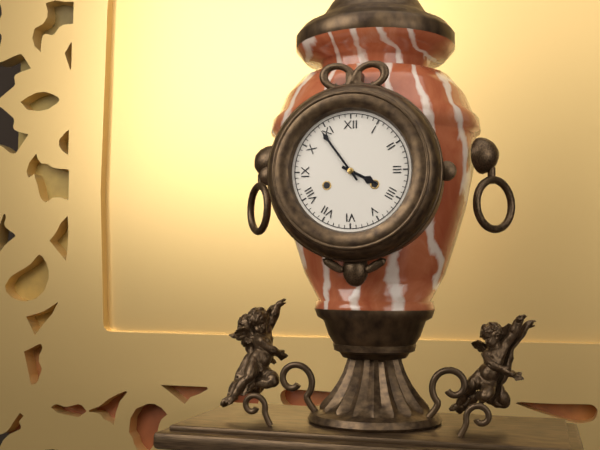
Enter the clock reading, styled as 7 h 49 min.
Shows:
3 h 54 min
